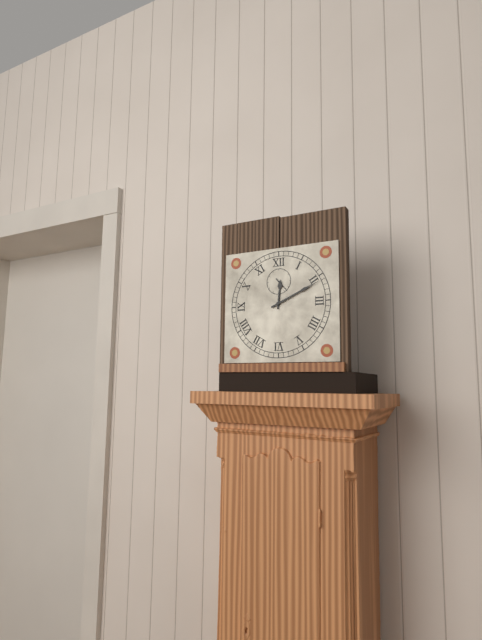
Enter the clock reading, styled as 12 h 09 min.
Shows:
12 h 11 min
